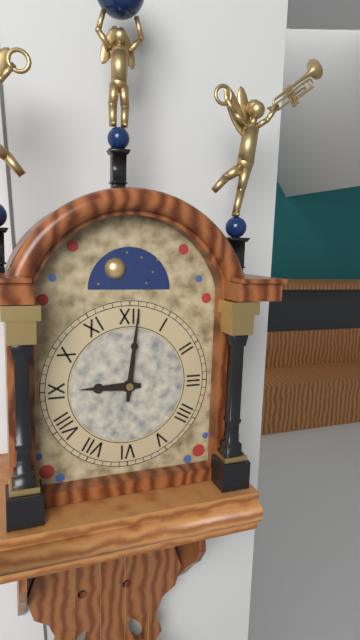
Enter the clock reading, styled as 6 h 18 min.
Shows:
9 h 01 min
